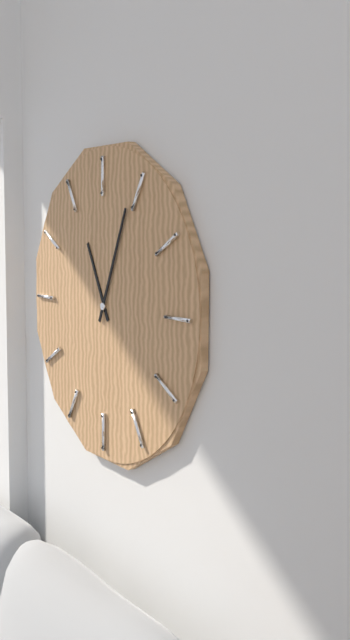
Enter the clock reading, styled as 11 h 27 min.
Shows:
11 h 04 min
